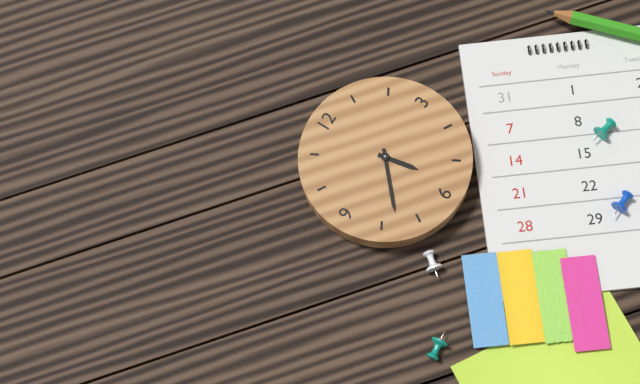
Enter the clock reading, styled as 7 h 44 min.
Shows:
5 h 38 min
